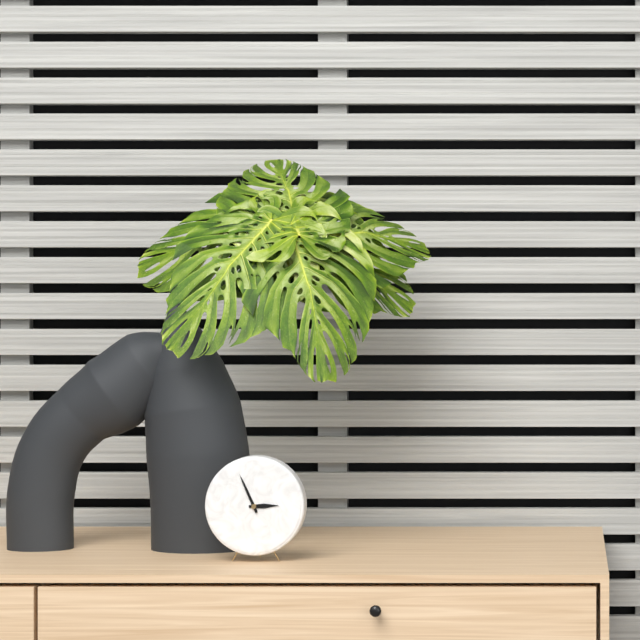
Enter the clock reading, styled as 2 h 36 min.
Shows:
2 h 56 min
